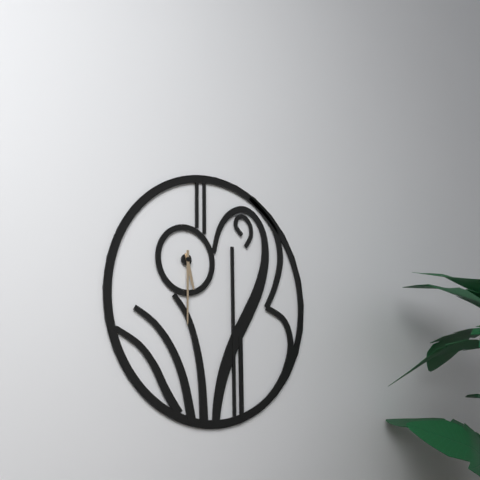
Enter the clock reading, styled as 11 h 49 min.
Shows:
5 h 30 min
